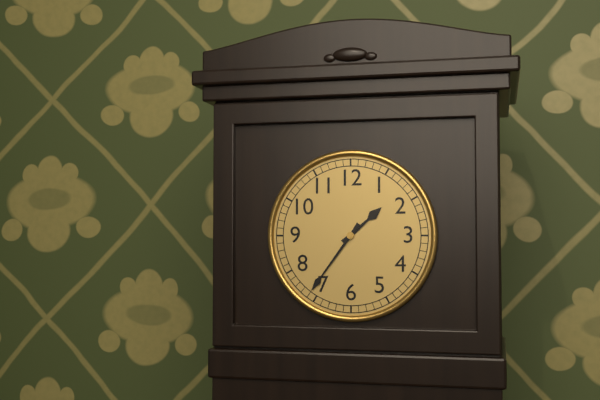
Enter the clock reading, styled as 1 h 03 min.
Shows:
1 h 36 min
